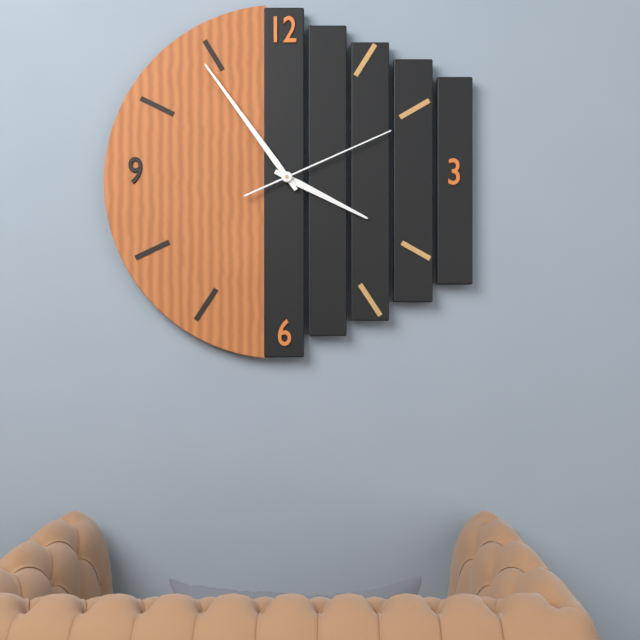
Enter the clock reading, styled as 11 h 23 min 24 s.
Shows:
3 h 54 min 11 s
